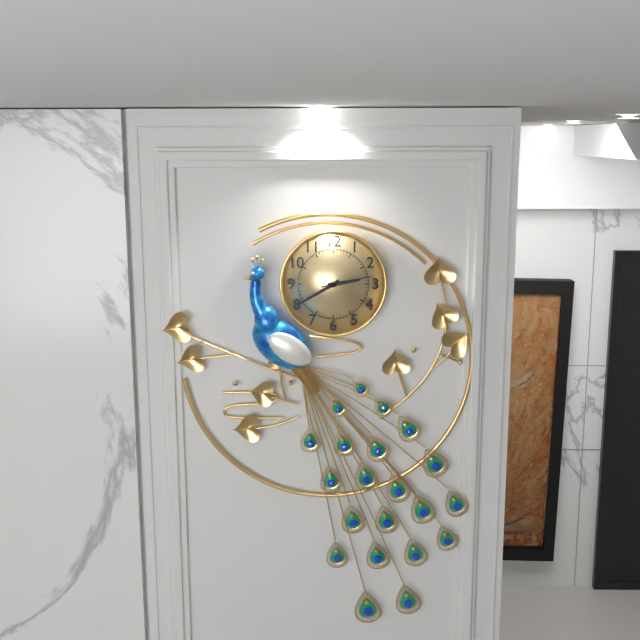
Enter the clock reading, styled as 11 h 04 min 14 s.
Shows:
2 h 40 min 13 s
